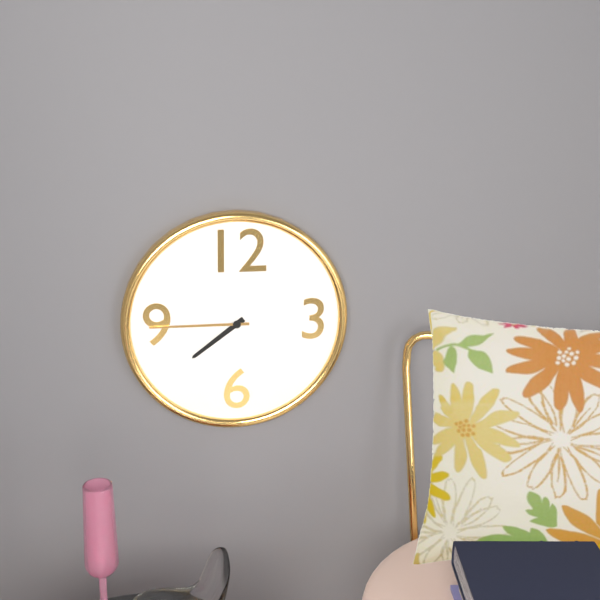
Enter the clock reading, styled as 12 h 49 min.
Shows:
7 h 45 min
